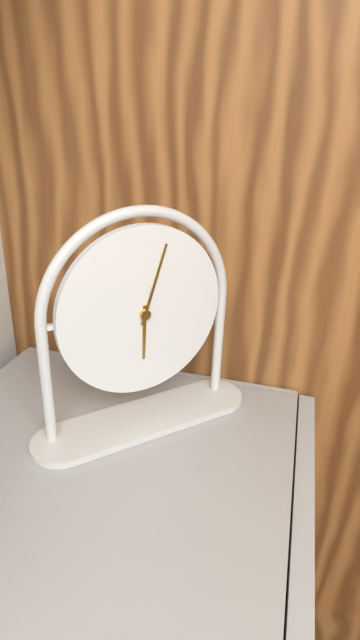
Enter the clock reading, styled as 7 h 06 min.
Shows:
6 h 03 min
